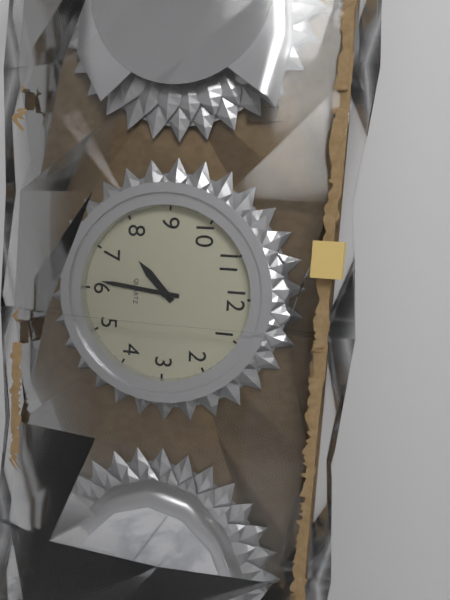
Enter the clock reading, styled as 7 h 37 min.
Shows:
7 h 31 min
